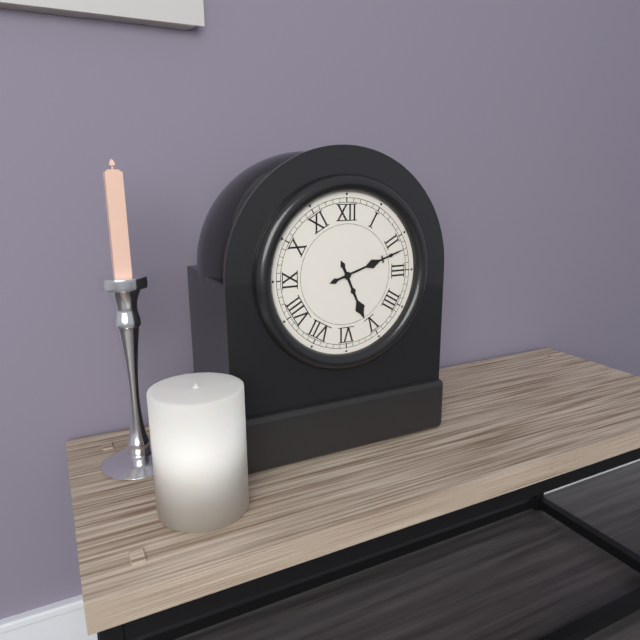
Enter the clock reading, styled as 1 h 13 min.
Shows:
5 h 12 min
